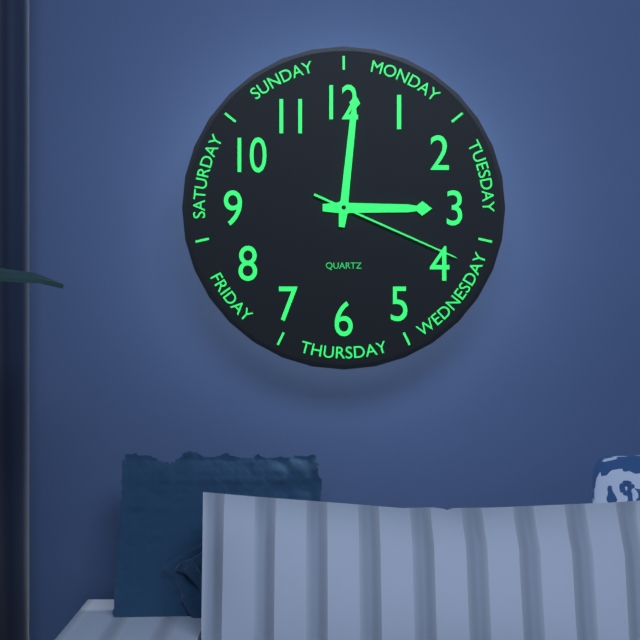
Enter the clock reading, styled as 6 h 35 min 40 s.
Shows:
3 h 01 min 19 s
